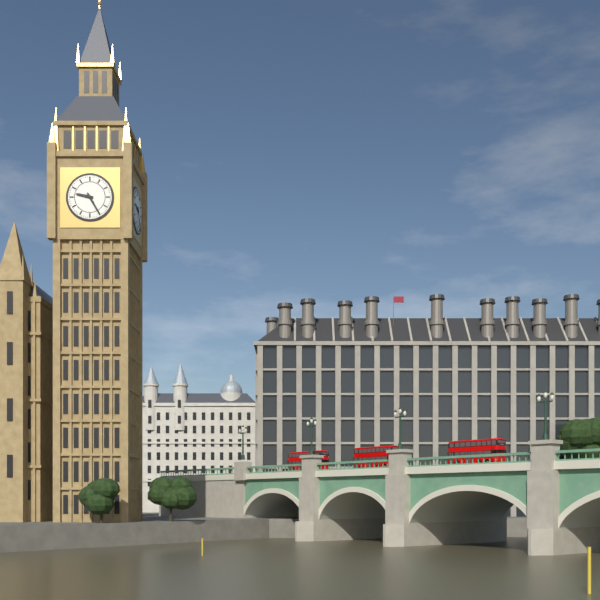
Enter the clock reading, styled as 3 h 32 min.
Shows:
9 h 25 min
